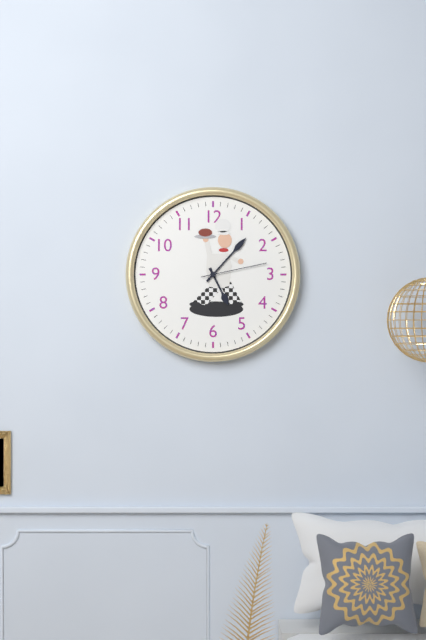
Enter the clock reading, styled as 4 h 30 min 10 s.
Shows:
5 h 07 min 13 s
